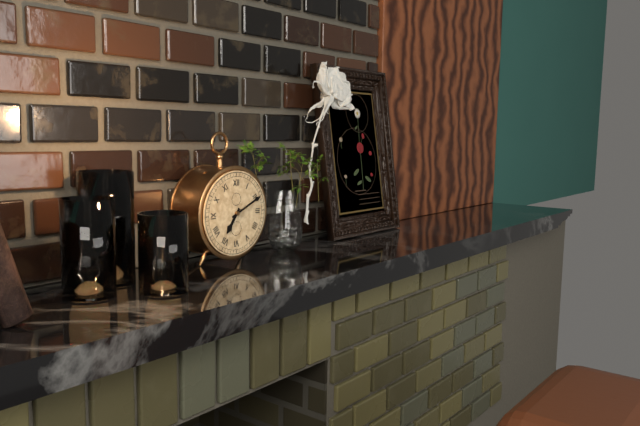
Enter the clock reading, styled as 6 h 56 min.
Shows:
7 h 11 min
